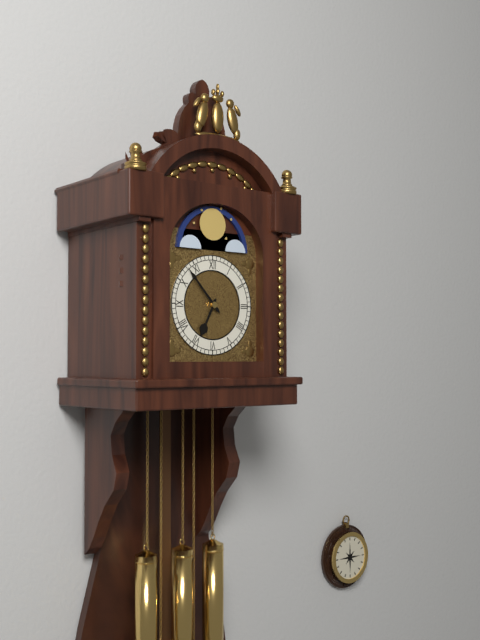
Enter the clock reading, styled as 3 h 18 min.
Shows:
6 h 53 min
